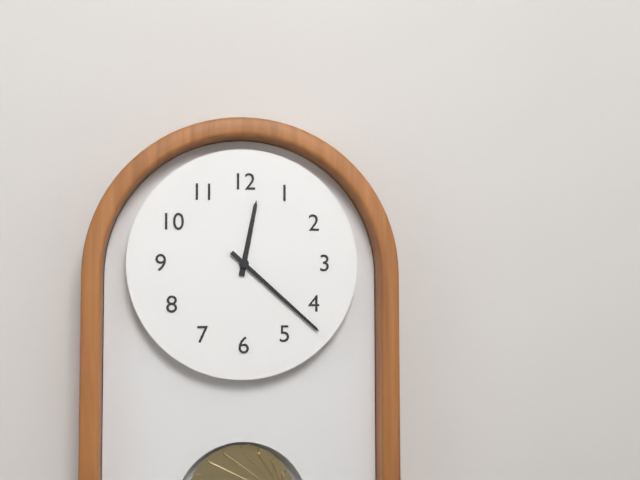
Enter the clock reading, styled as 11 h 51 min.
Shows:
12 h 22 min
